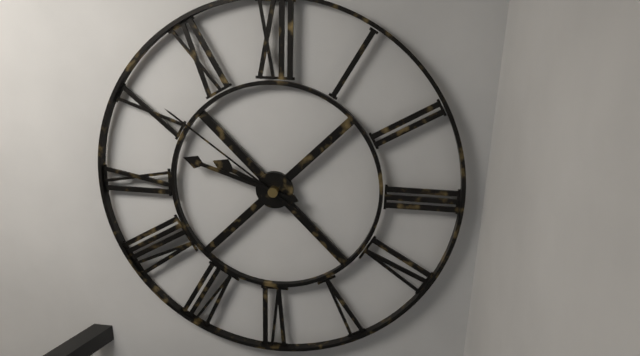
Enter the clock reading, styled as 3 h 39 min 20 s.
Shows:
9 h 48 min 51 s
